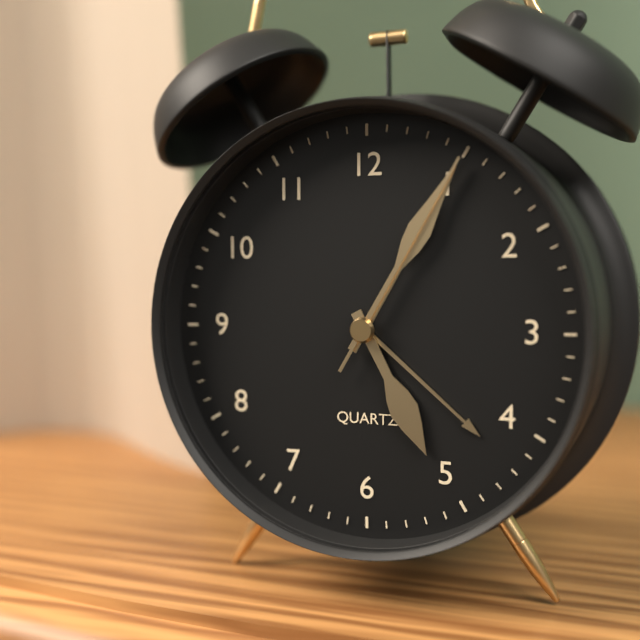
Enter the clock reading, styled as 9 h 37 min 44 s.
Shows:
5 h 05 min 05 s
